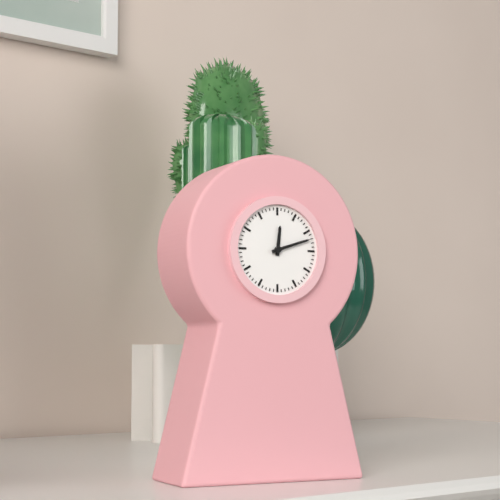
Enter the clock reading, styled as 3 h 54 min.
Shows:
12 h 12 min
